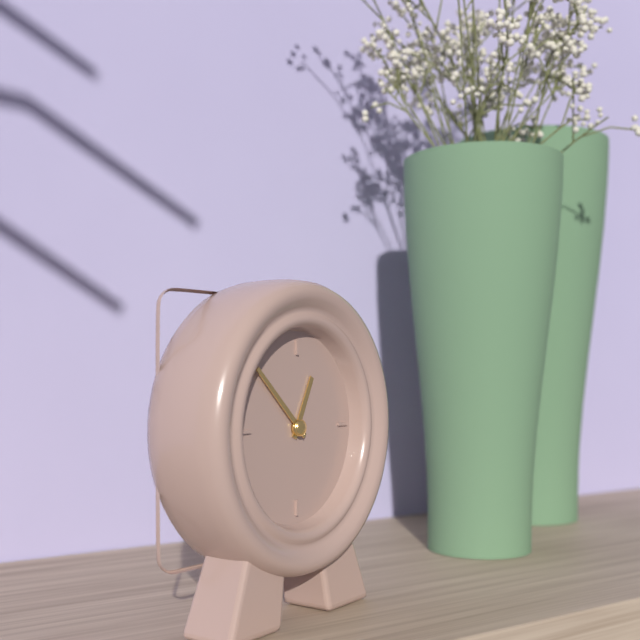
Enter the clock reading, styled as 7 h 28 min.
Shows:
12 h 52 min
